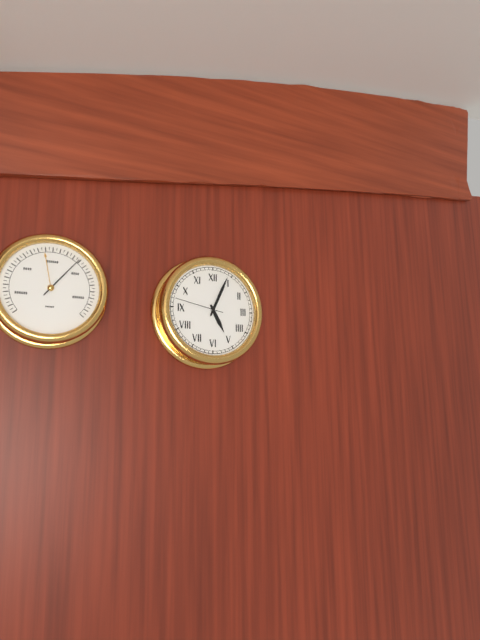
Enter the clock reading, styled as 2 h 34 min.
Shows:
5 h 04 min
